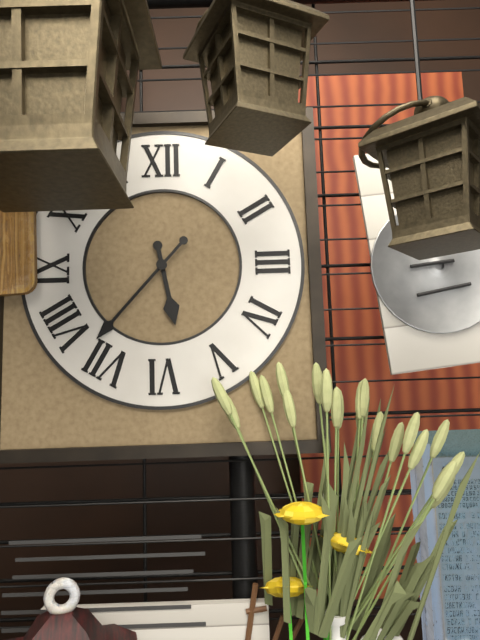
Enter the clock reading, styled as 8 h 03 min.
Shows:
5 h 37 min
